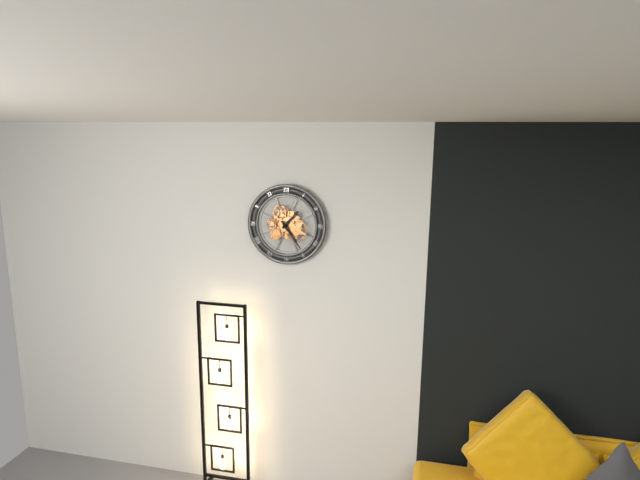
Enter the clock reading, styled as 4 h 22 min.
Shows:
1 h 24 min
